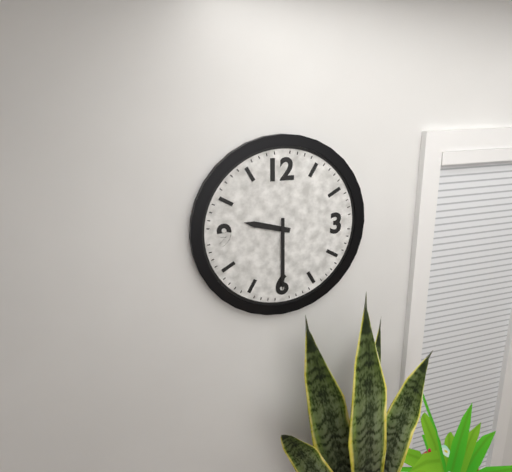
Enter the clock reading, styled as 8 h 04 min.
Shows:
9 h 30 min
